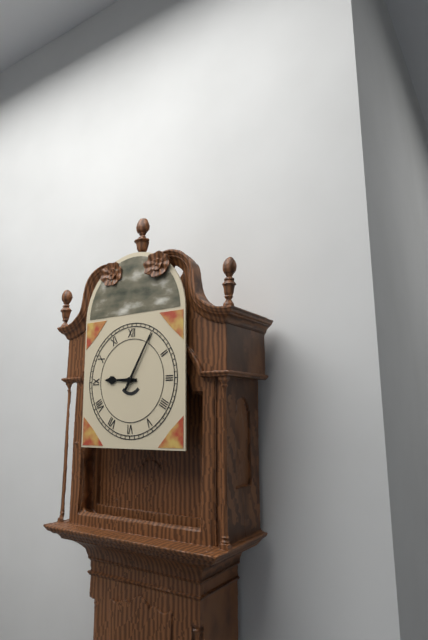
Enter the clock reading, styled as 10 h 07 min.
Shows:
9 h 05 min
